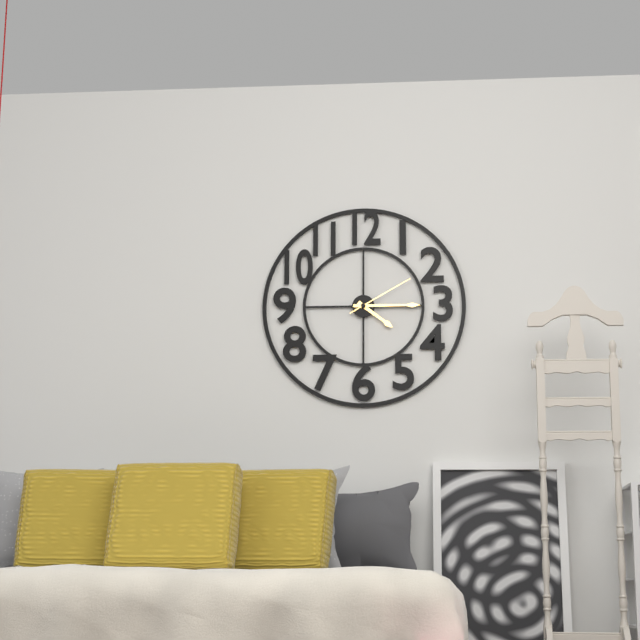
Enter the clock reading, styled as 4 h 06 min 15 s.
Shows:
4 h 15 min 10 s
